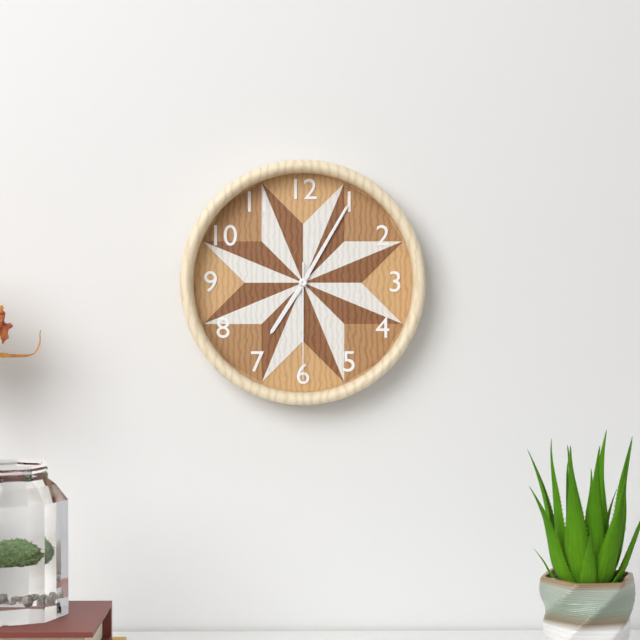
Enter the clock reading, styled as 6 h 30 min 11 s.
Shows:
7 h 05 min 30 s
